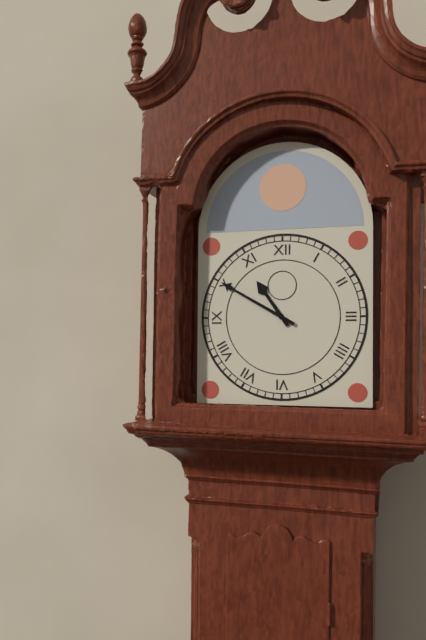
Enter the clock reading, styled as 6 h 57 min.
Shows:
10 h 50 min
